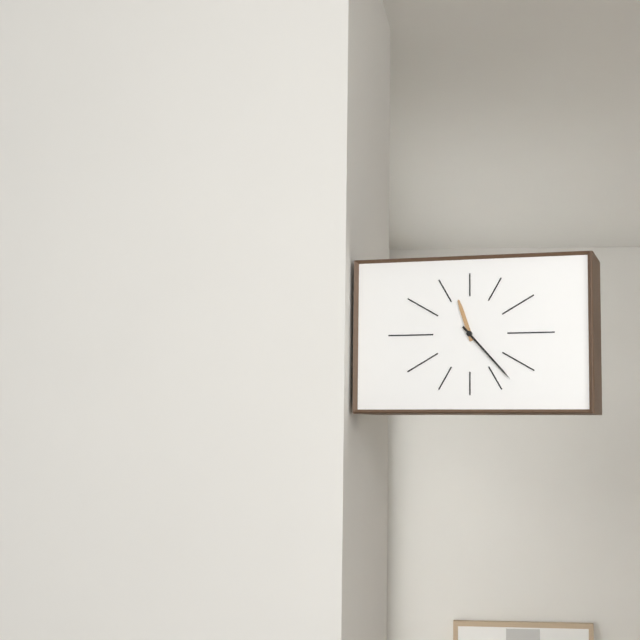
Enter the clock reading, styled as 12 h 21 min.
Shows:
11 h 23 min
